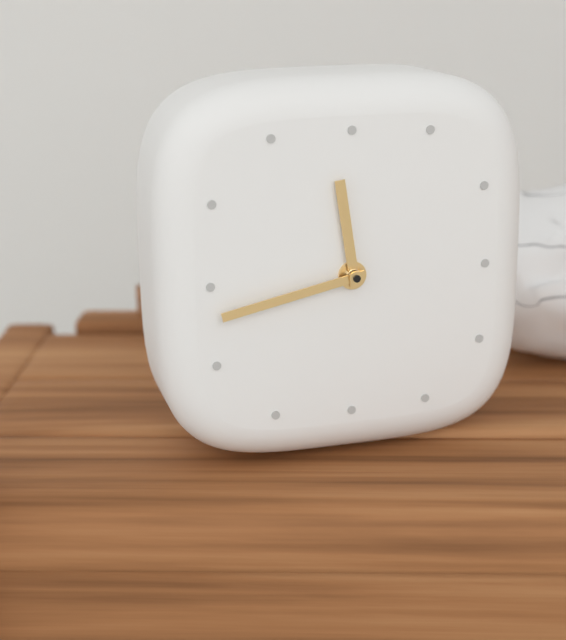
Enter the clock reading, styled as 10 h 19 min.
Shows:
11 h 43 min
